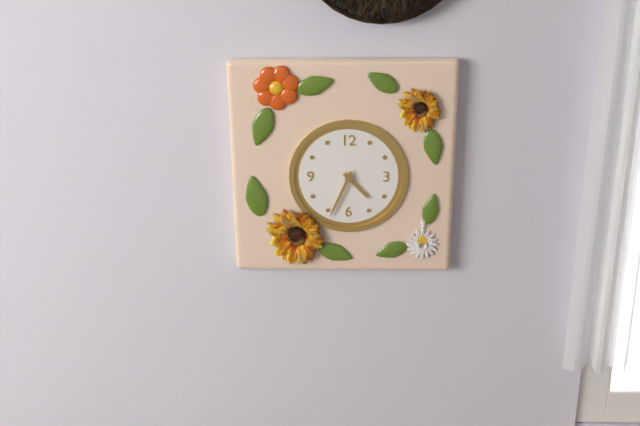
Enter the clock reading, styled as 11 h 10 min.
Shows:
4 h 34 min
